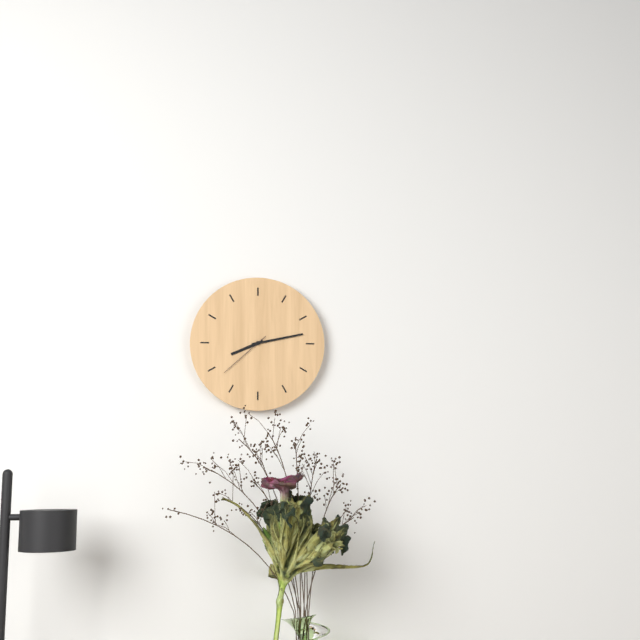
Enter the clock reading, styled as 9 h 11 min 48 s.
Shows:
8 h 13 min 38 s
